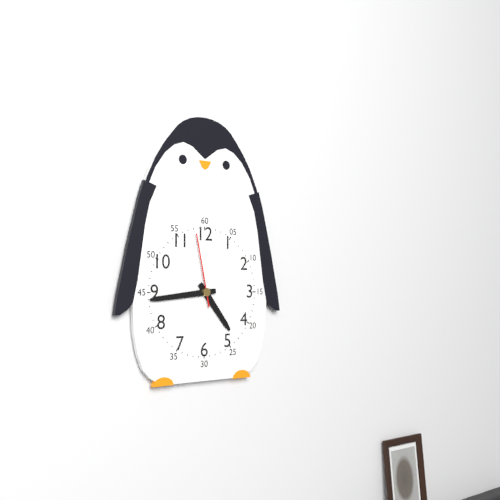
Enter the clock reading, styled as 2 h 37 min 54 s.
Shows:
4 h 44 min 58 s
